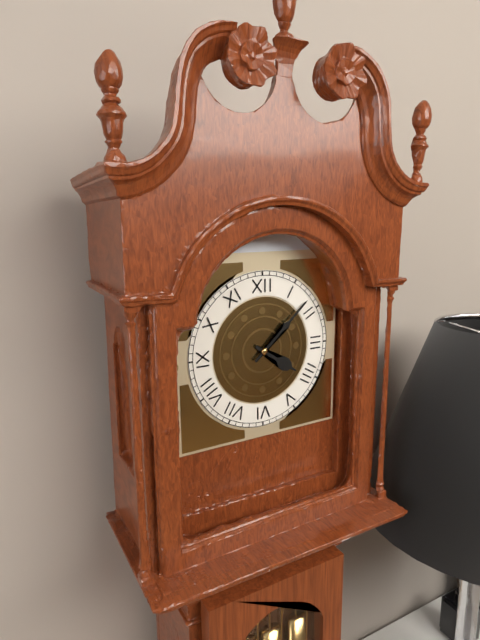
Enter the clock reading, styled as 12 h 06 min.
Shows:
4 h 08 min
